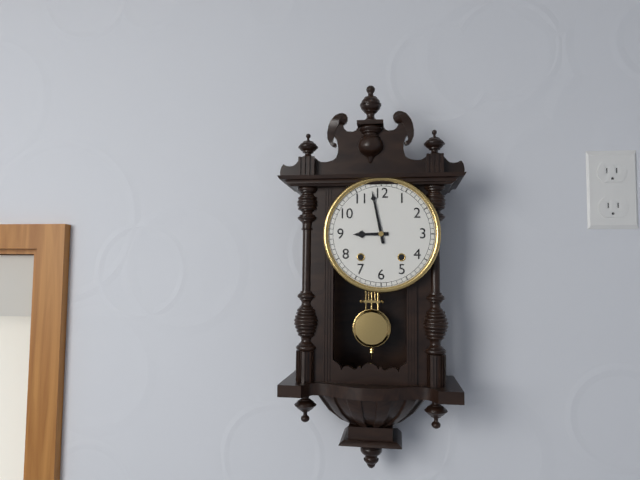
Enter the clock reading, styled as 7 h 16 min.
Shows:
8 h 58 min
